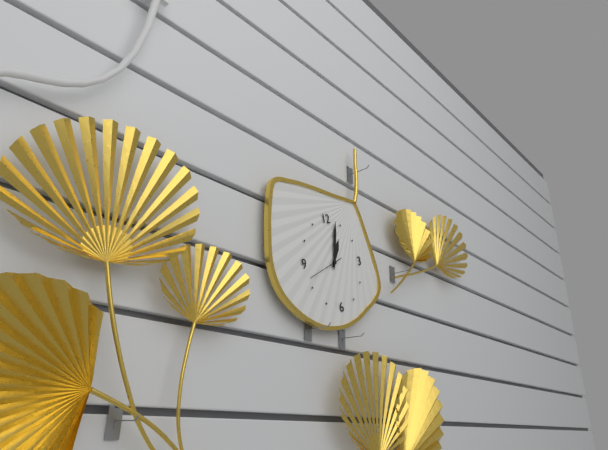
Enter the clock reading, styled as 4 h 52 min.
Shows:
1 h 03 min
